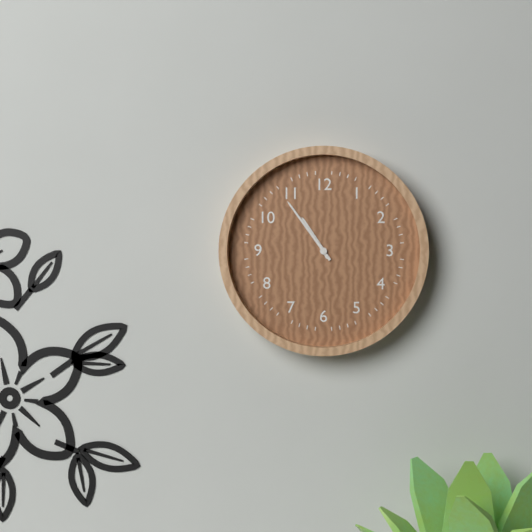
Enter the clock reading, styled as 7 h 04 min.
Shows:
10 h 54 min
